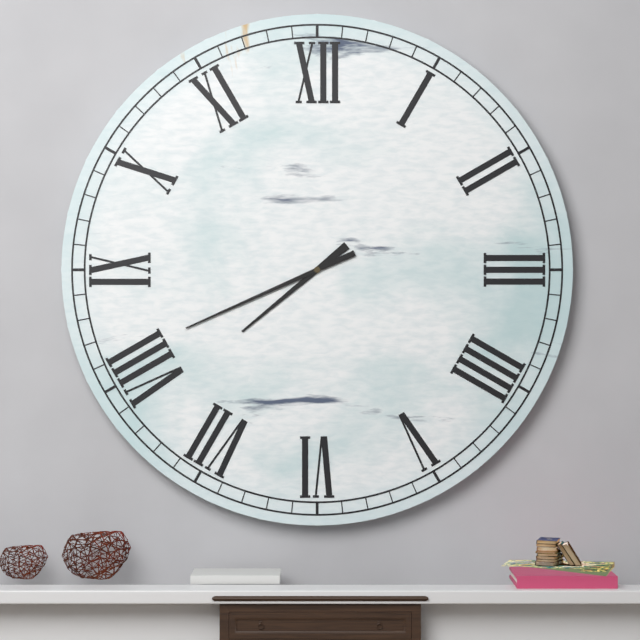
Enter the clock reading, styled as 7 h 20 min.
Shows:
7 h 41 min
